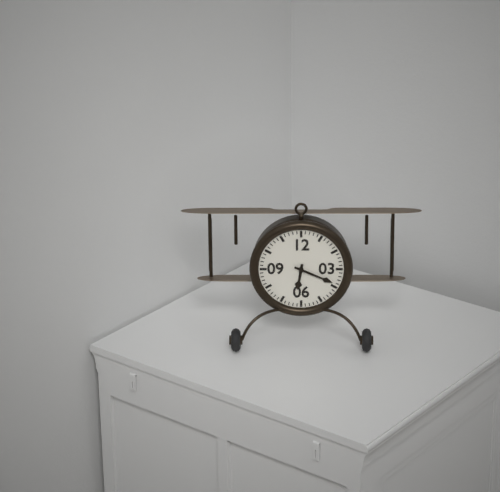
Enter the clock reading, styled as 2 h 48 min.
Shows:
6 h 19 min
